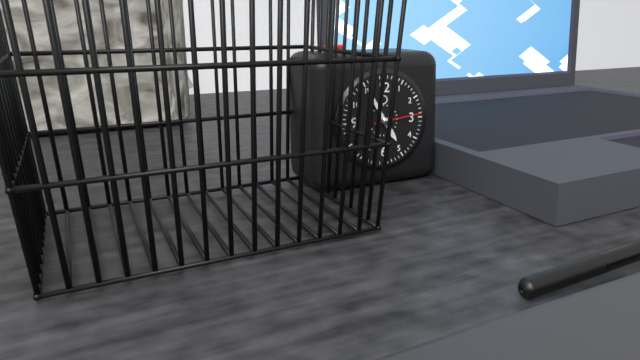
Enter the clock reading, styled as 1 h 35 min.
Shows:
4 h 55 min
